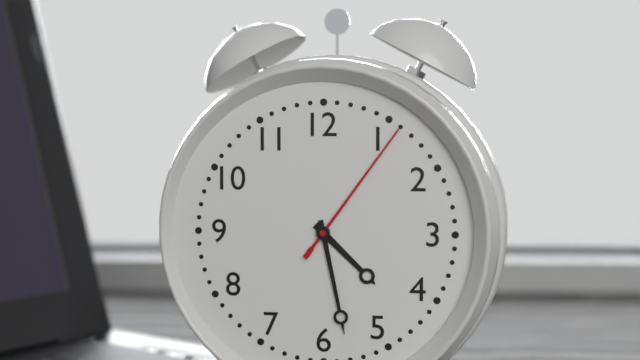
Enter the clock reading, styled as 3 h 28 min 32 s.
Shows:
4 h 28 min 06 s
